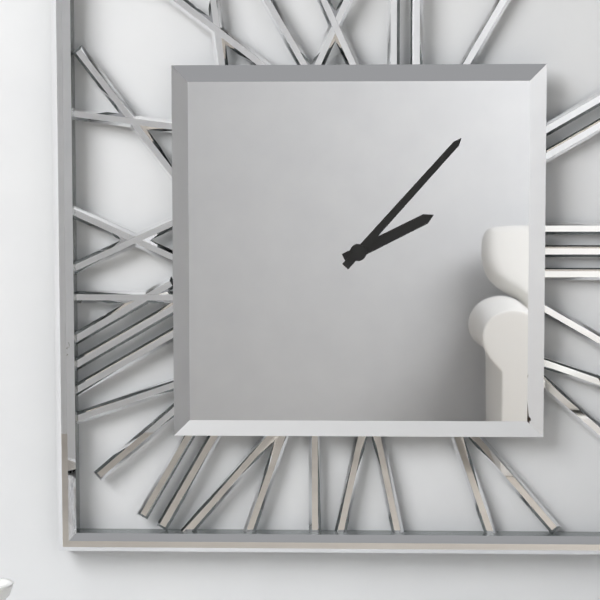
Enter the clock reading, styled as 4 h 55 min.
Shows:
2 h 07 min
